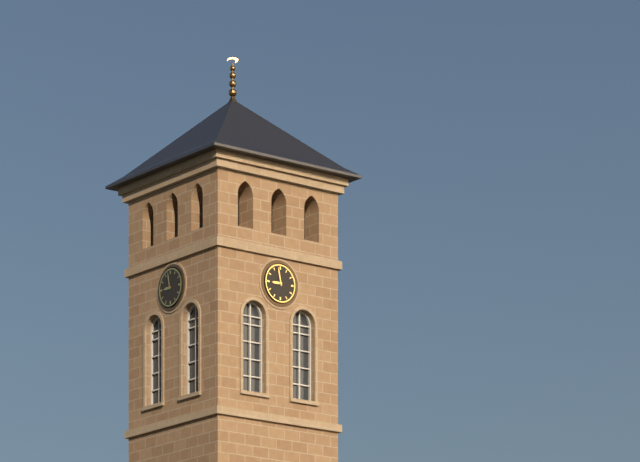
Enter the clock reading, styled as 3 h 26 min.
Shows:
8 h 58 min
